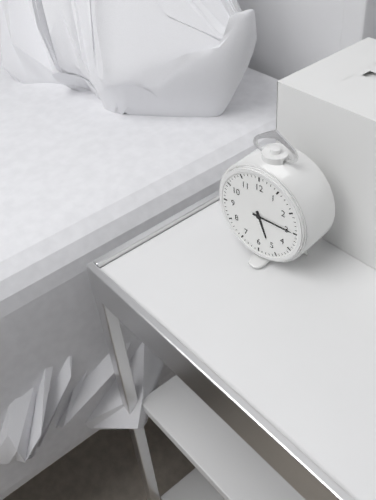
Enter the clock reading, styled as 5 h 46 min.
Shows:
5 h 15 min
